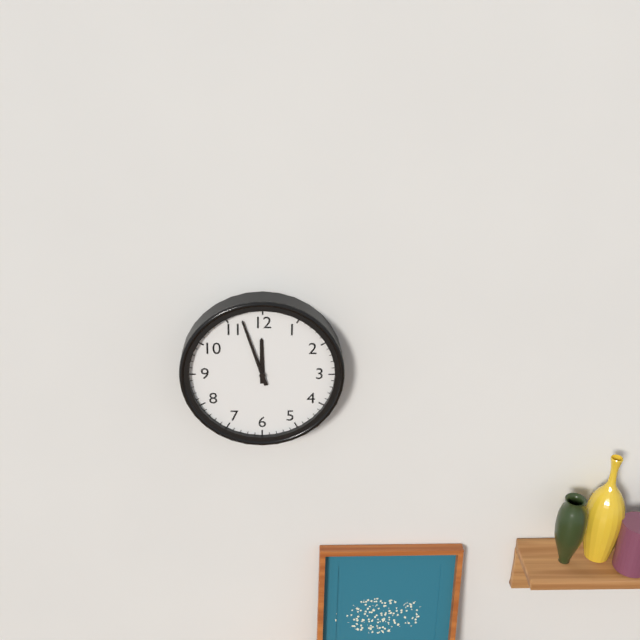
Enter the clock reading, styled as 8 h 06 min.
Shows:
11 h 57 min
